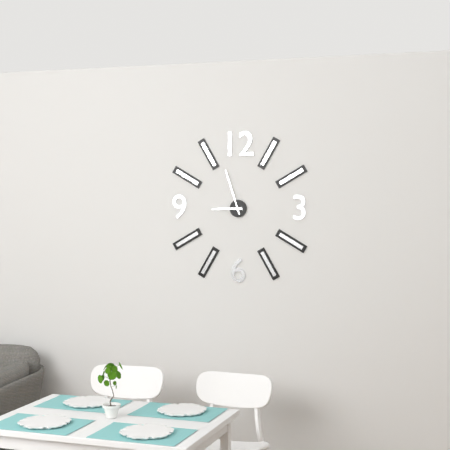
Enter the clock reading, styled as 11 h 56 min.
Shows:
8 h 57 min
